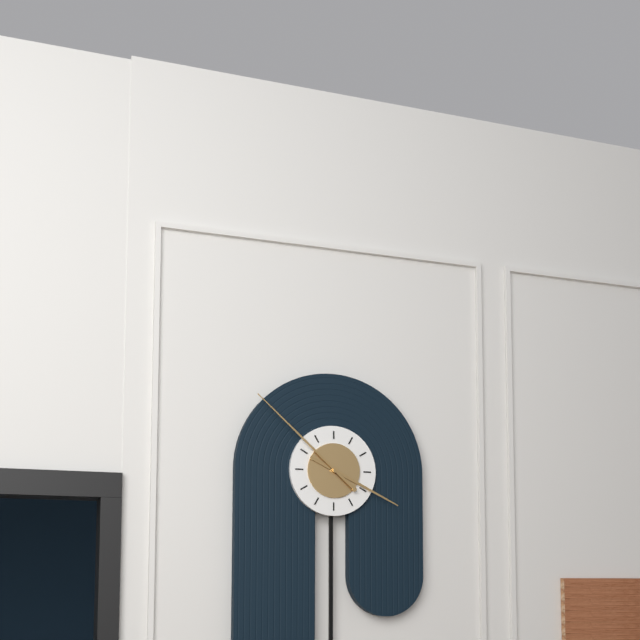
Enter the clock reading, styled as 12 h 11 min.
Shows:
3 h 52 min
